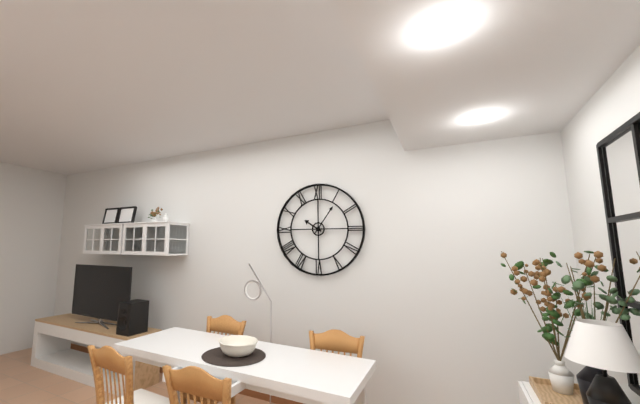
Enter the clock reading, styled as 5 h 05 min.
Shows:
10 h 06 min
